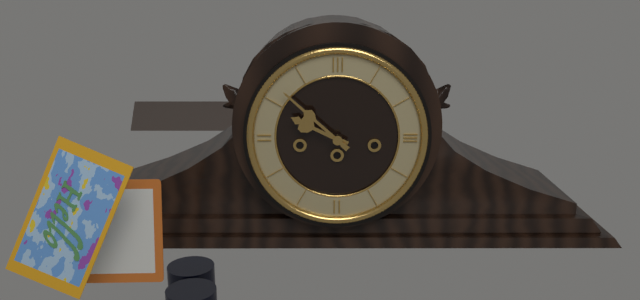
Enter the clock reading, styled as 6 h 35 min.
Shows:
9 h 52 min
